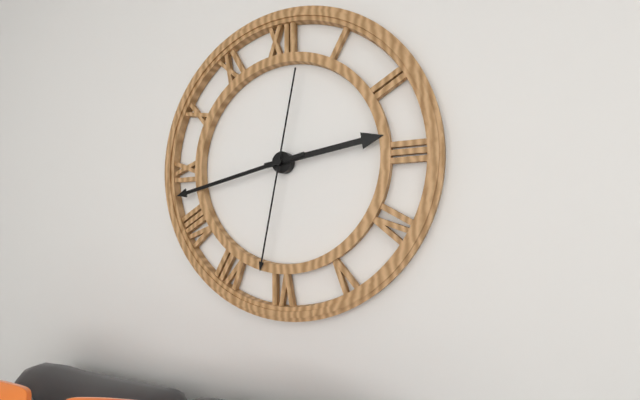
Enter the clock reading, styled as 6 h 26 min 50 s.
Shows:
2 h 43 min 32 s
